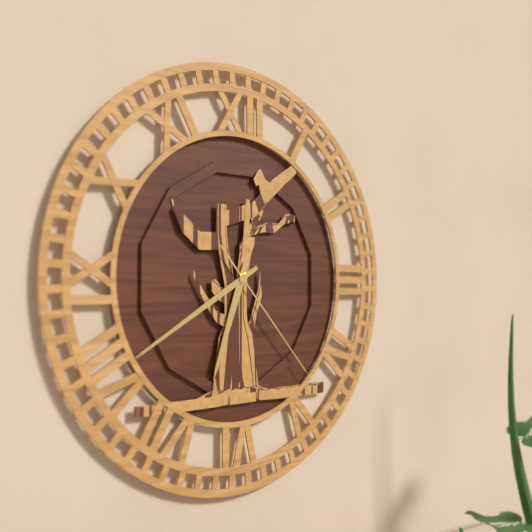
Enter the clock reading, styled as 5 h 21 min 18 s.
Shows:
6 h 40 min 23 s
